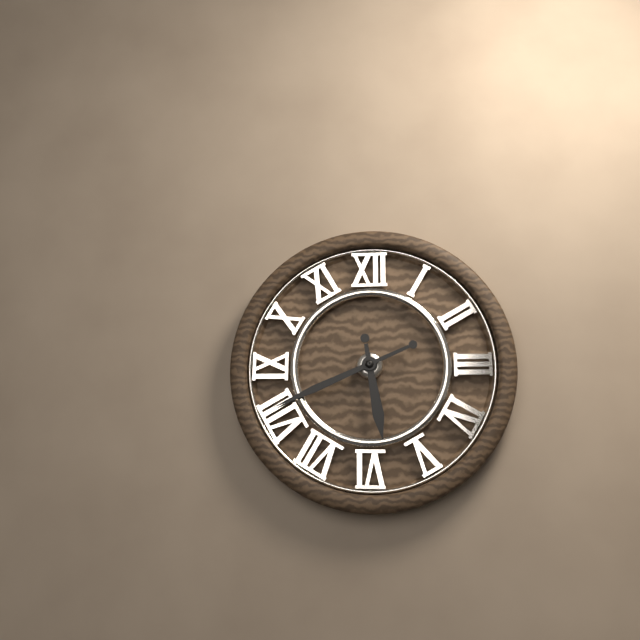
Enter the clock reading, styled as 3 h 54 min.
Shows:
5 h 41 min
